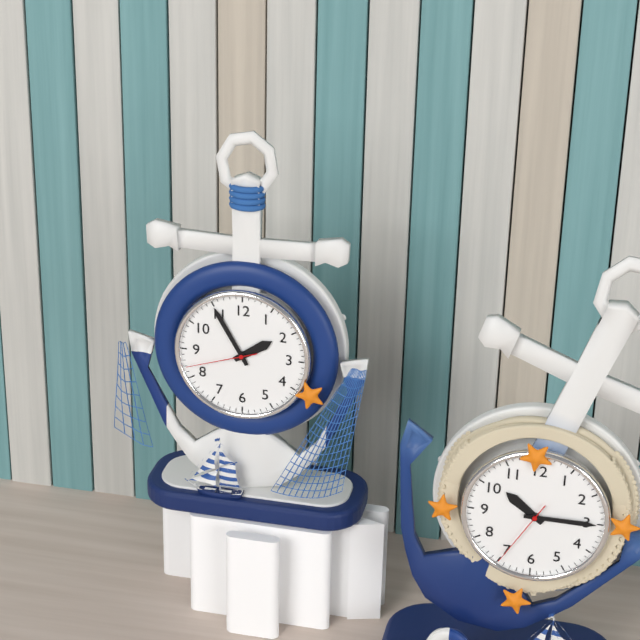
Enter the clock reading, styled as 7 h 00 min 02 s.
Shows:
1 h 55 min 42 s
